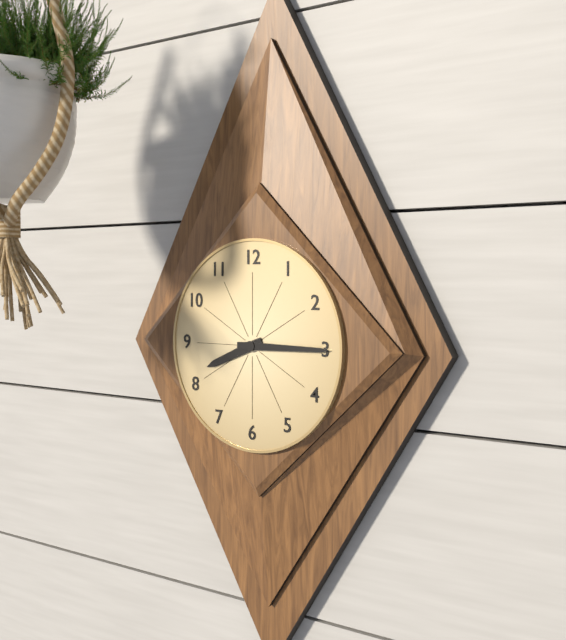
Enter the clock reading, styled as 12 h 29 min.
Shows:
8 h 15 min
